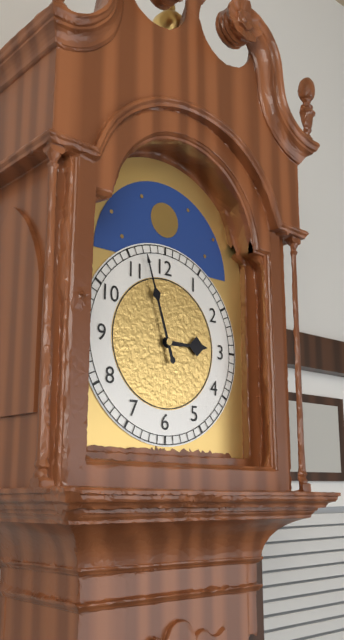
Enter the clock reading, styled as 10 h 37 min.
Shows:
2 h 57 min
